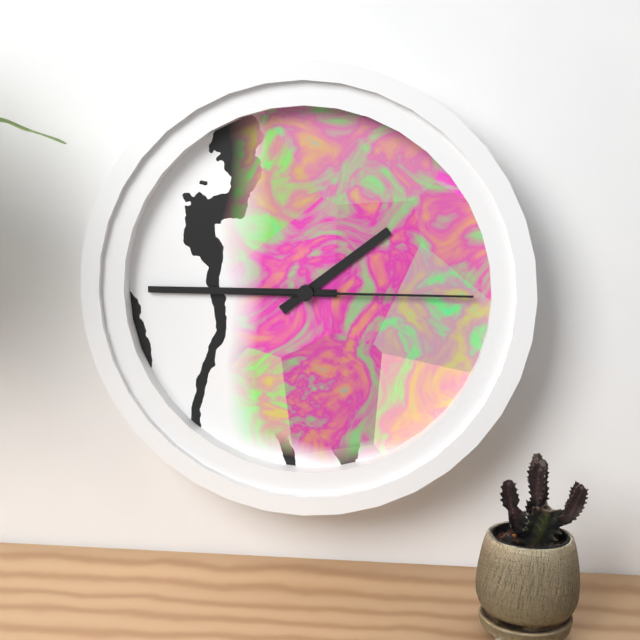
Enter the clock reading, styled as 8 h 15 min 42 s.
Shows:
1 h 45 min 15 s
